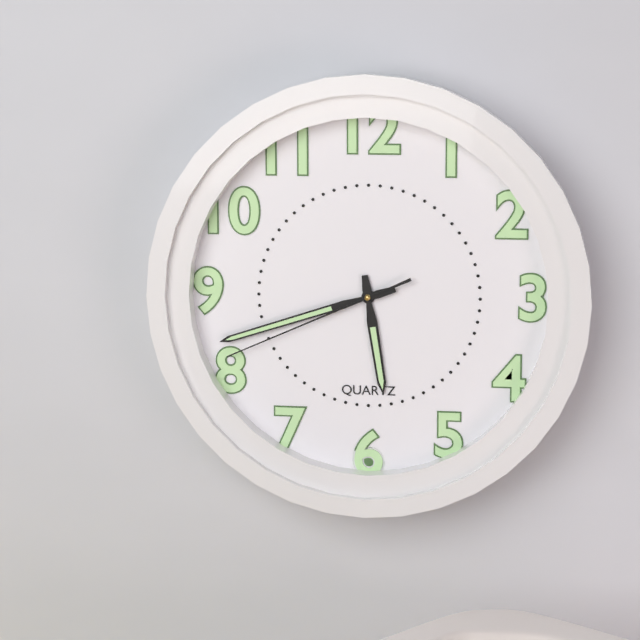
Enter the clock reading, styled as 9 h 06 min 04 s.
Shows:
5 h 42 min 41 s
